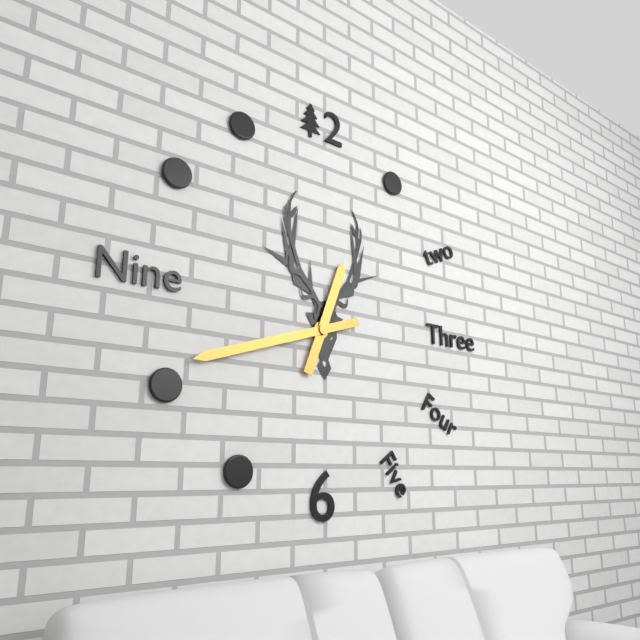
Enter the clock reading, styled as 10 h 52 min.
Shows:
12 h 42 min
